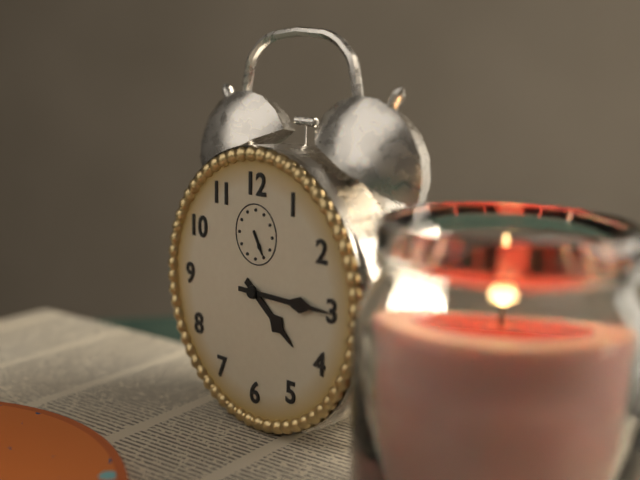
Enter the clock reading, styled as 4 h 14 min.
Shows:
4 h 15 min
